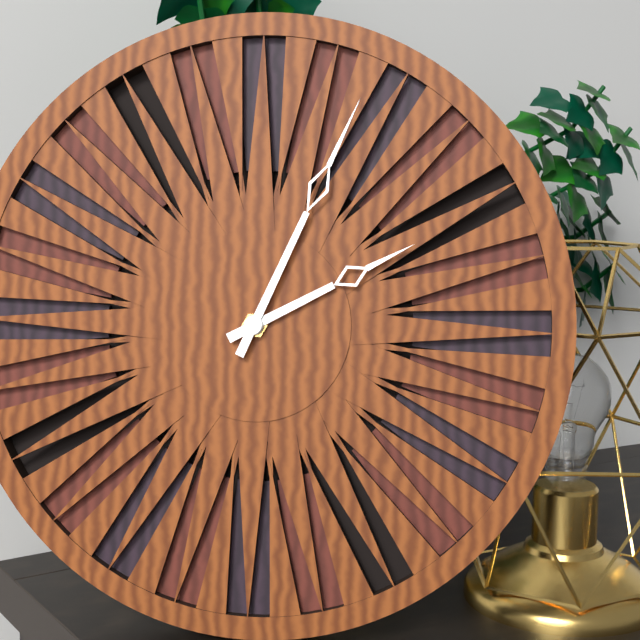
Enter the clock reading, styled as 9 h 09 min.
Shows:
2 h 04 min
